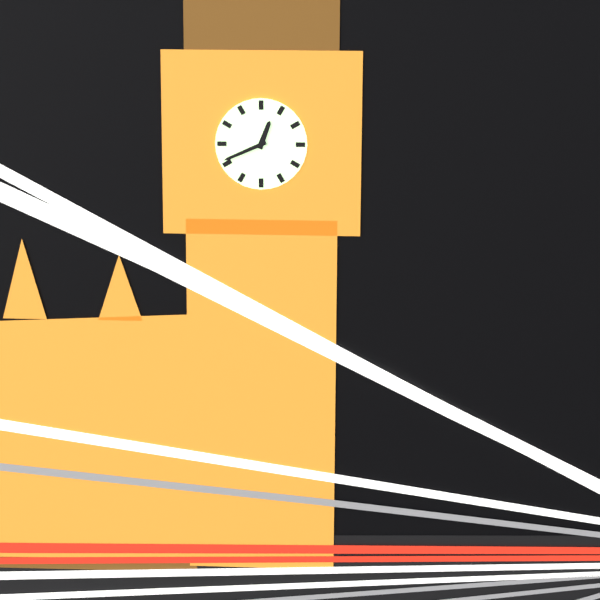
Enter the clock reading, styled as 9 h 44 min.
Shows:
12 h 41 min
